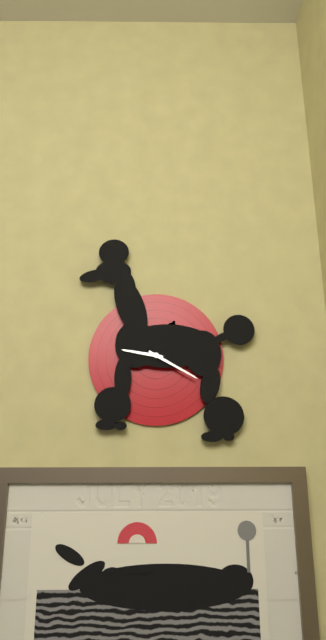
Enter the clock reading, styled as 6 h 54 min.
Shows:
9 h 20 min
